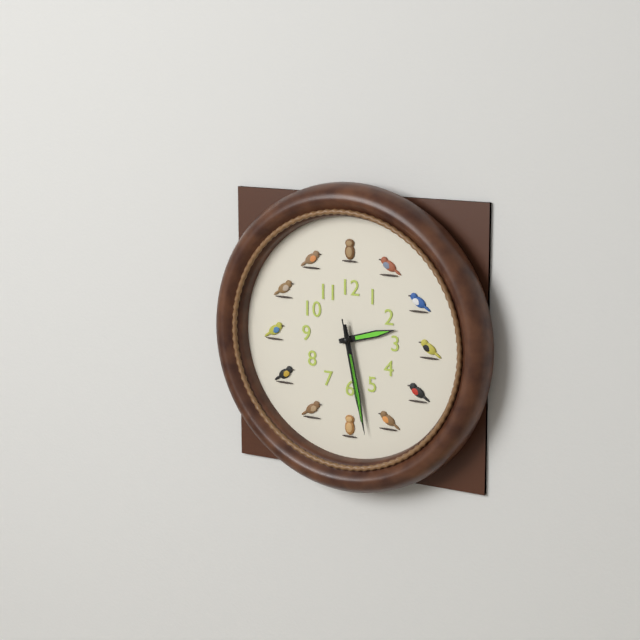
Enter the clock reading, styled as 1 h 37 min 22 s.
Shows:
2 h 28 min 28 s
